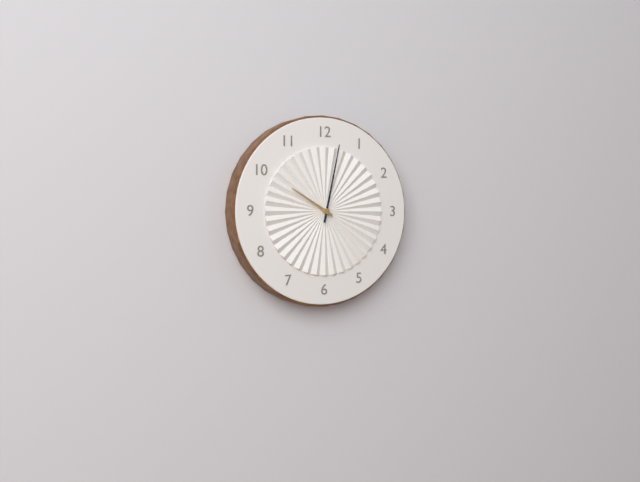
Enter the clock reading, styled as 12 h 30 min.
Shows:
10 h 02 min
